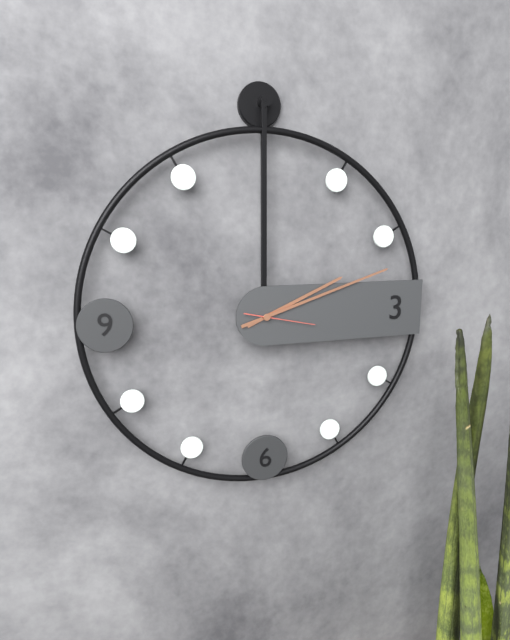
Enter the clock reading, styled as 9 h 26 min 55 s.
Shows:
2 h 12 min 17 s
